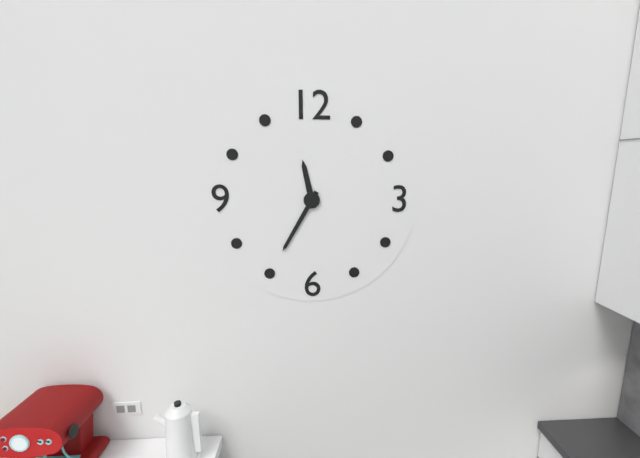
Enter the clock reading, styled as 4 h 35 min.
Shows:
11 h 35 min
